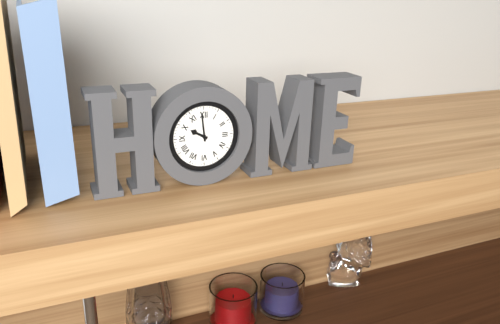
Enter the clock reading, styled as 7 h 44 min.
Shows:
9 h 59 min
